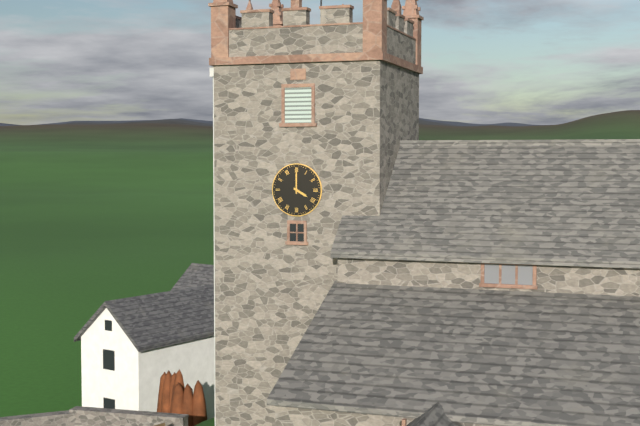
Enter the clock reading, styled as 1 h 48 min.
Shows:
4 h 00 min
